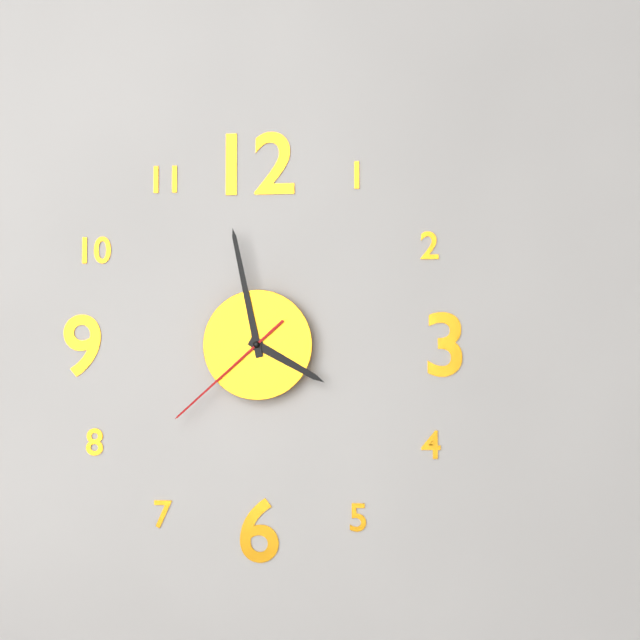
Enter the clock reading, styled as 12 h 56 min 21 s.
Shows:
3 h 58 min 38 s
